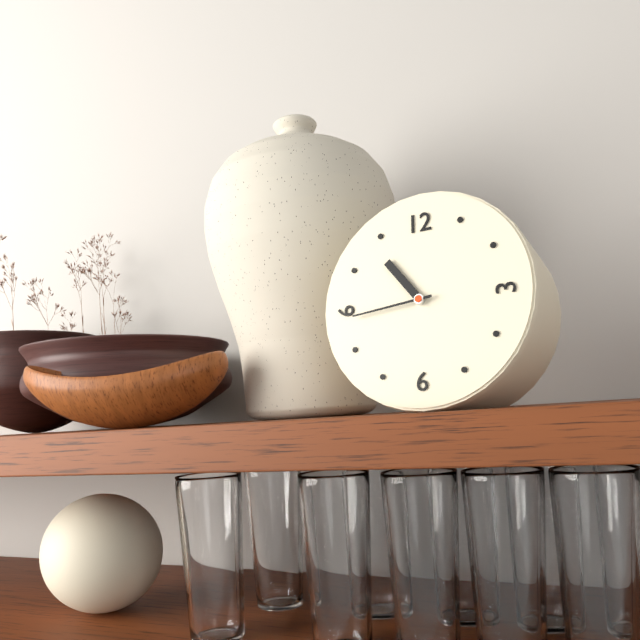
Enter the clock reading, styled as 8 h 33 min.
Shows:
10 h 44 min
